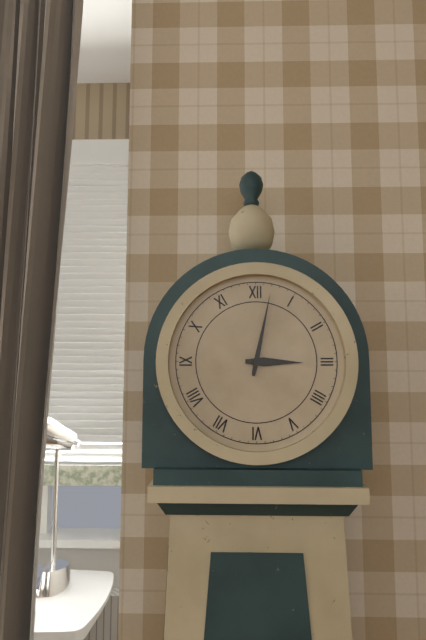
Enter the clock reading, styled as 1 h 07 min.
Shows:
3 h 02 min
